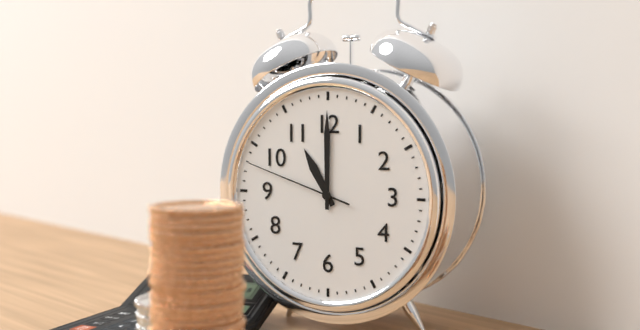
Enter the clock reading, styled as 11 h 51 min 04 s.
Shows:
11 h 00 min 48 s
